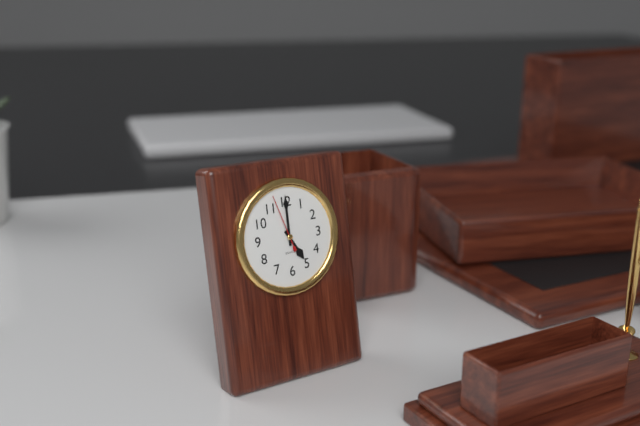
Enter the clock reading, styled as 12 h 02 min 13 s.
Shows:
5 h 00 min 57 s
